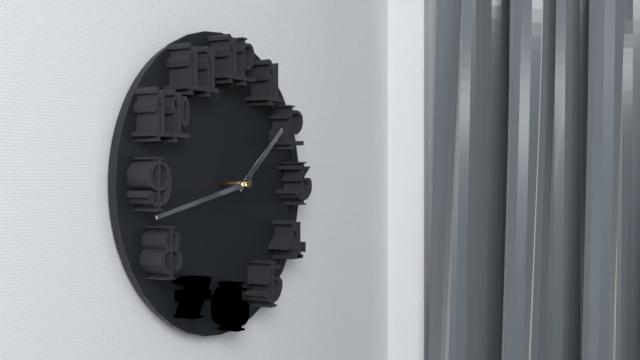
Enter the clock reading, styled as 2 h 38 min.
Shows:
1 h 43 min
